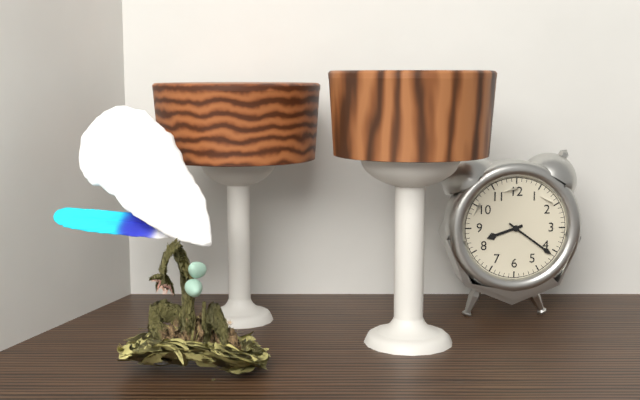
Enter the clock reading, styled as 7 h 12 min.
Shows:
8 h 21 min
